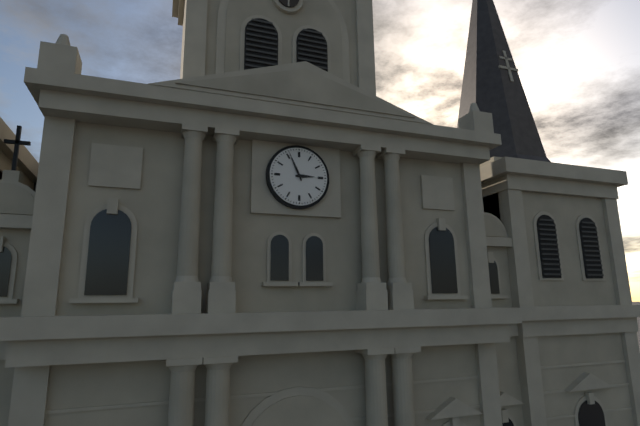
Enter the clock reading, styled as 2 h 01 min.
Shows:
2 h 56 min
